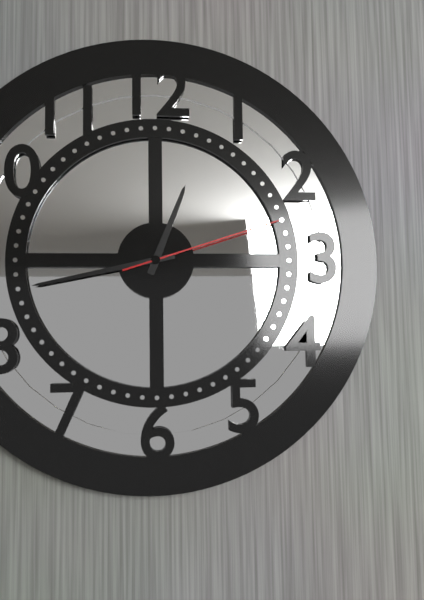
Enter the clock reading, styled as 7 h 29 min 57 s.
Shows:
12 h 43 min 12 s
